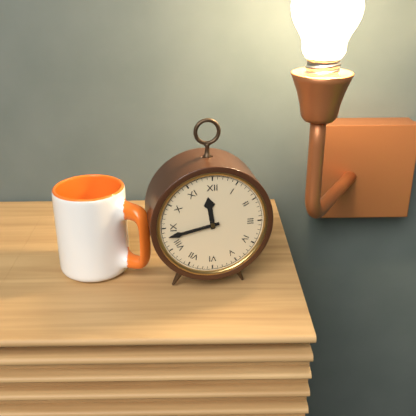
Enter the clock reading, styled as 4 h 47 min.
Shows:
11 h 43 min
